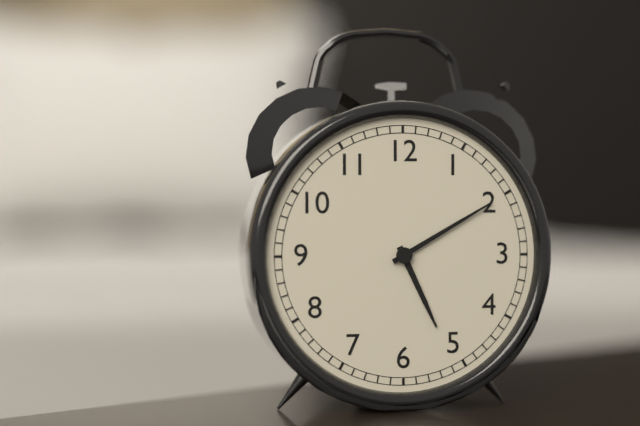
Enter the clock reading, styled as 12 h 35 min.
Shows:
5 h 10 min
